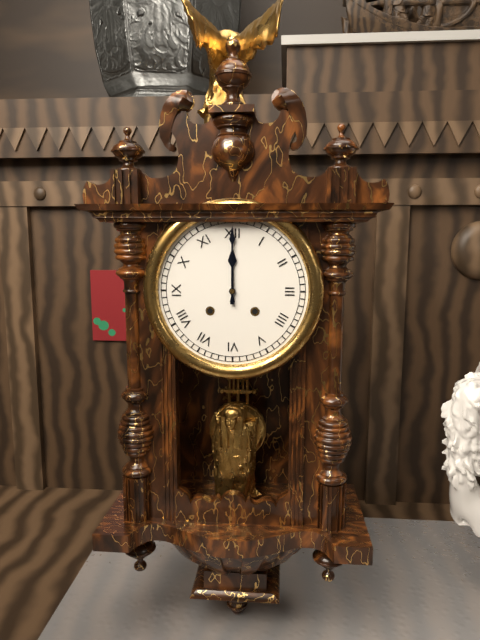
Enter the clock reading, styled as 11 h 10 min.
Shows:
12 h 00 min
